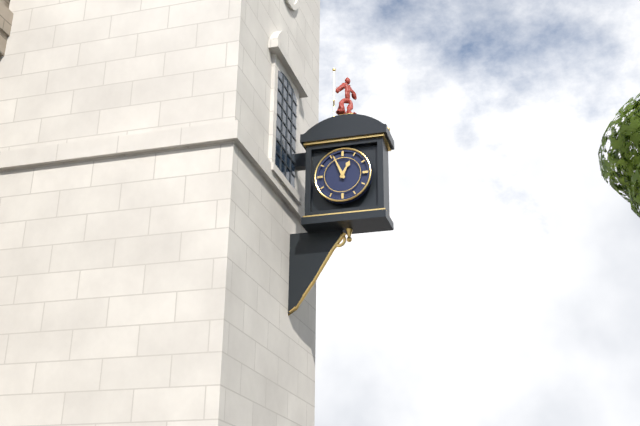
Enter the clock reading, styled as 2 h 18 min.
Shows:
12 h 56 min
